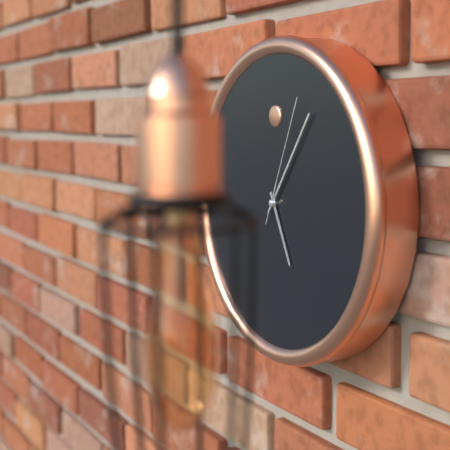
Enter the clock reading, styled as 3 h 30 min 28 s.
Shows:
5 h 06 min 04 s
